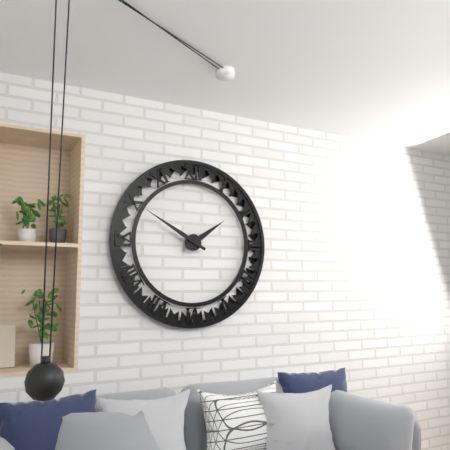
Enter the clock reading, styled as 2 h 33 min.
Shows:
1 h 50 min
